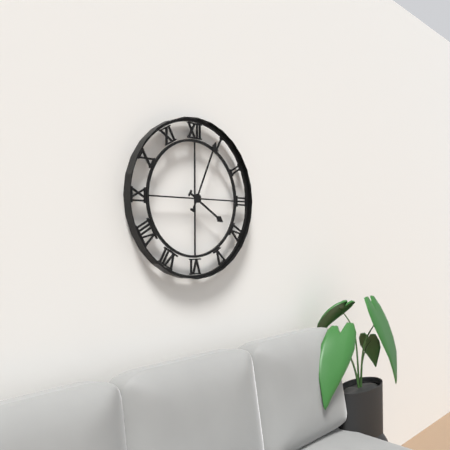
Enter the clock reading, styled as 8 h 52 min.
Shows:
4 h 04 min
